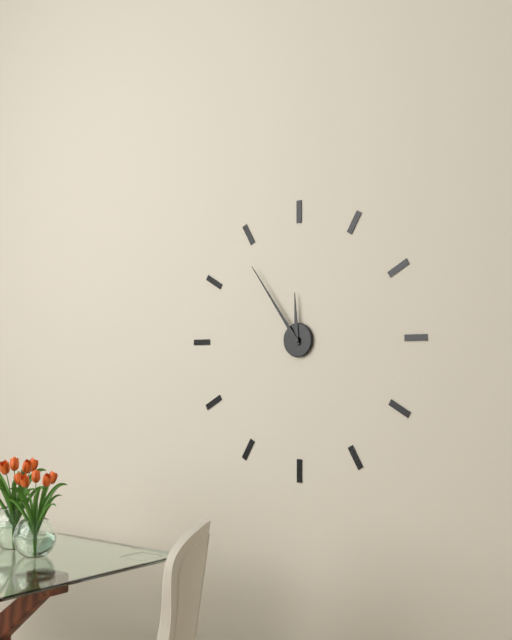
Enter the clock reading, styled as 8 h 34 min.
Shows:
11 h 54 min
